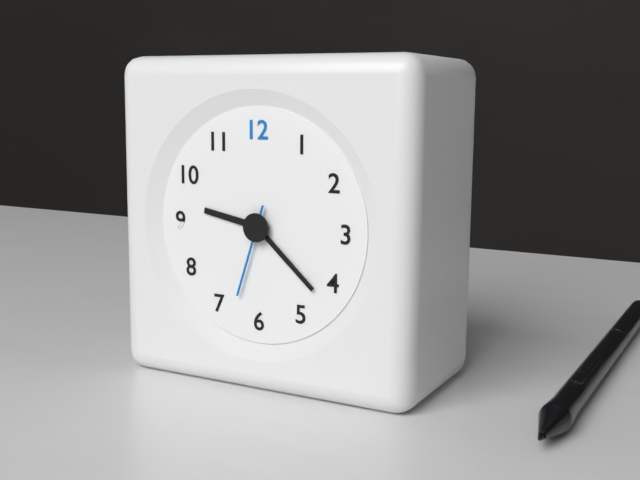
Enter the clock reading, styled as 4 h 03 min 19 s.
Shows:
9 h 22 min 33 s
